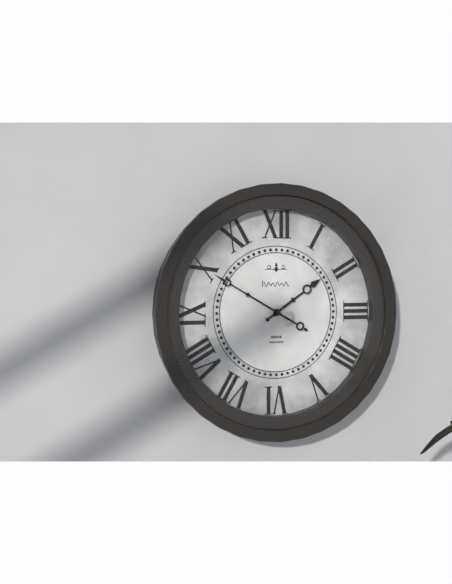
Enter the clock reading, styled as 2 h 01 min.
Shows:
1 h 50 min
